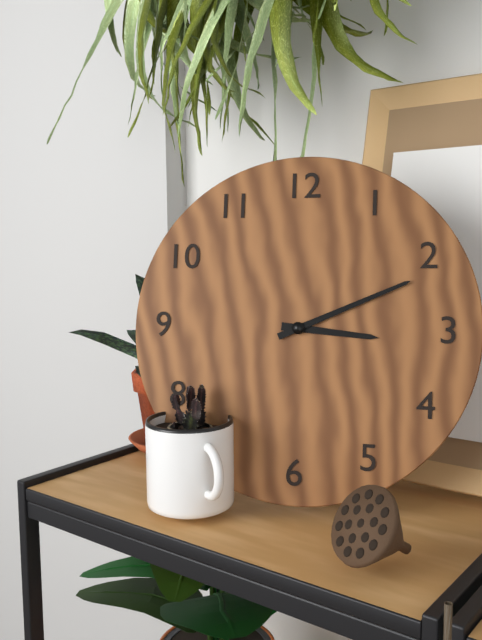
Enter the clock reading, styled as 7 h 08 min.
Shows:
3 h 11 min
